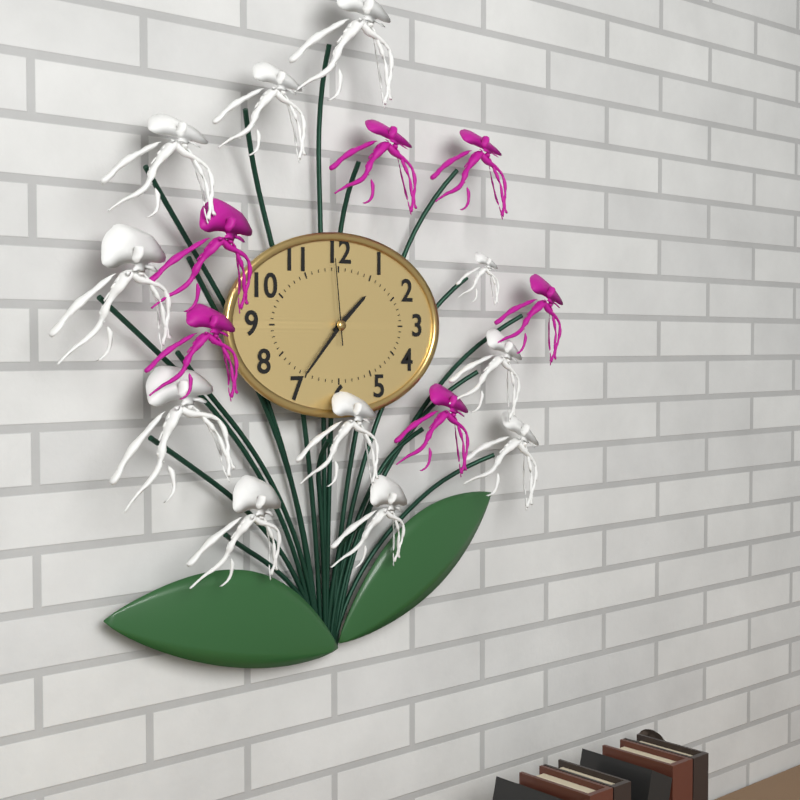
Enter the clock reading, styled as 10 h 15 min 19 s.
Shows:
1 h 37 min 59 s
